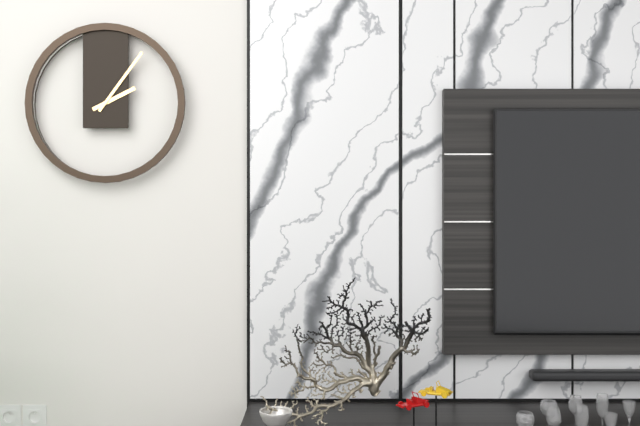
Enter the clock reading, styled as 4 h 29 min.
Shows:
2 h 06 min
